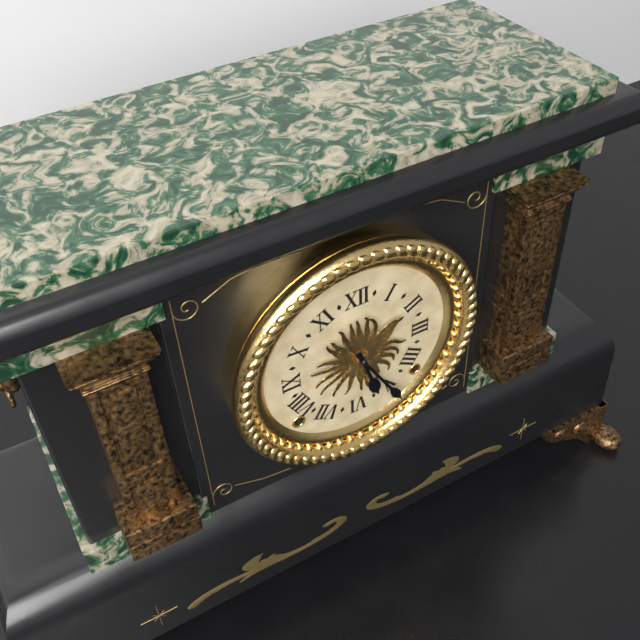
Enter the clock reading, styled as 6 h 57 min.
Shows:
5 h 25 min
